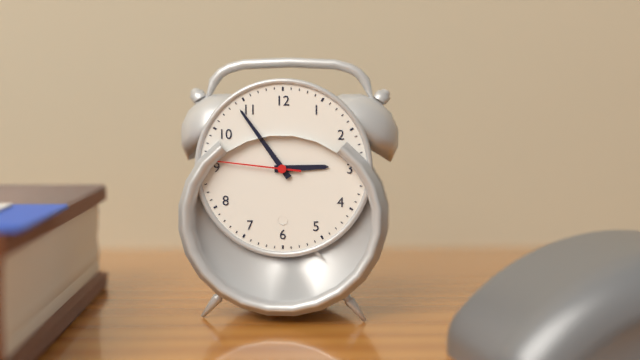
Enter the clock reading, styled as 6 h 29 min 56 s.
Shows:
2 h 54 min 46 s
